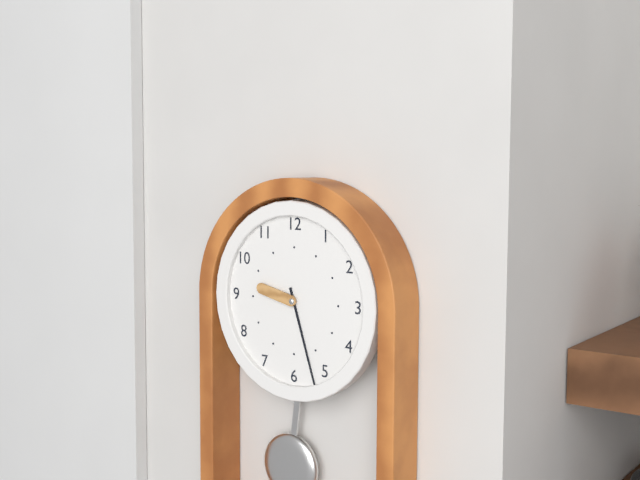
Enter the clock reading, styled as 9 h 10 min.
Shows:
9 h 27 min
